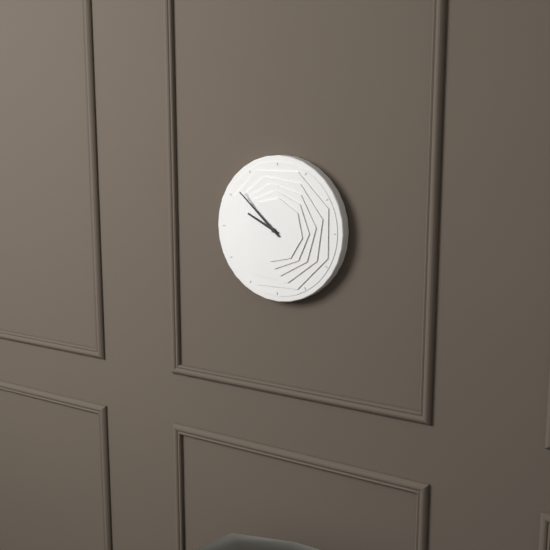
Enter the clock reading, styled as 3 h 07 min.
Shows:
9 h 52 min
